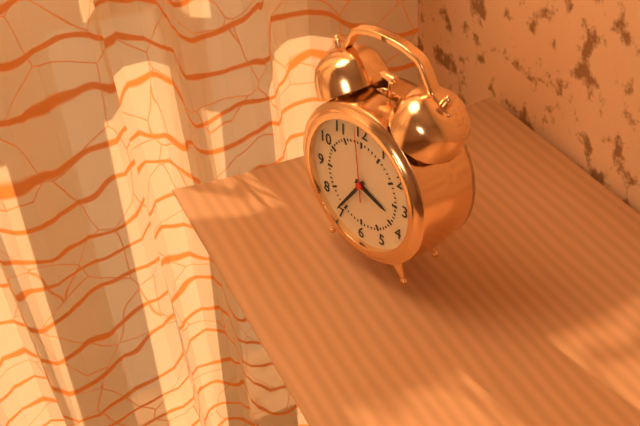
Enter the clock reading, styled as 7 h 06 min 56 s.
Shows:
3 h 36 min 59 s
